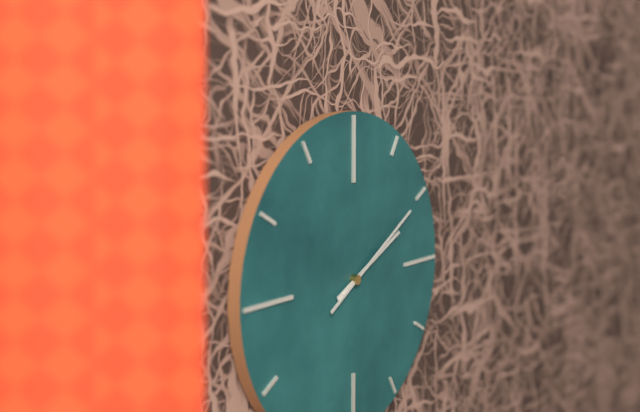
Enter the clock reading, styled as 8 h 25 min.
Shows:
2 h 10 min
